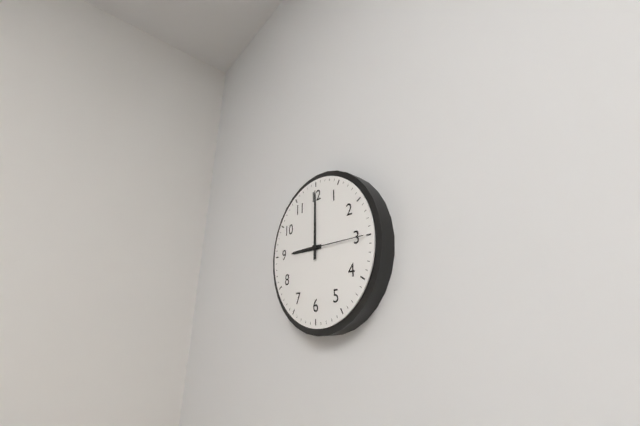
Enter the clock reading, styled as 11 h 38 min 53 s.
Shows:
9 h 00 min 15 s
